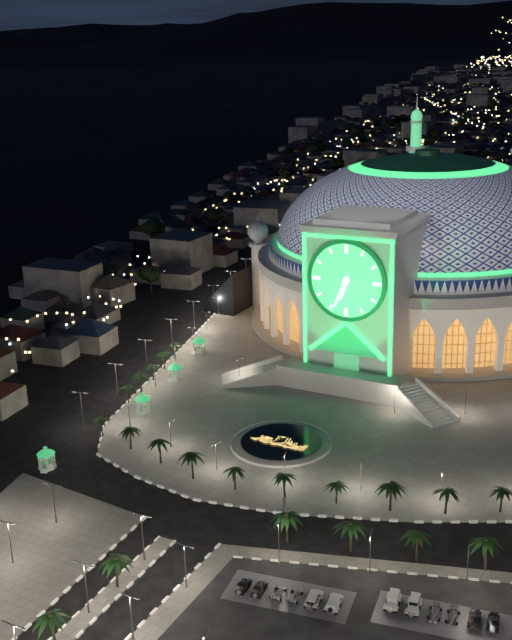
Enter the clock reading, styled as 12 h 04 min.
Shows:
6 h 34 min
